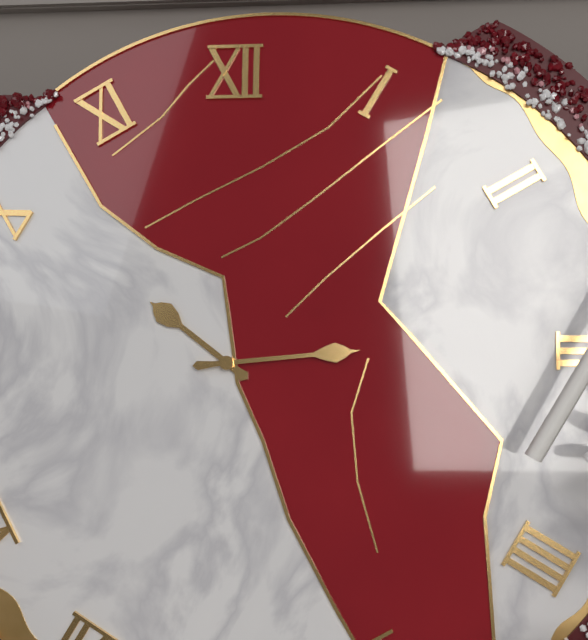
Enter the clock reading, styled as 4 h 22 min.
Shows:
10 h 14 min
